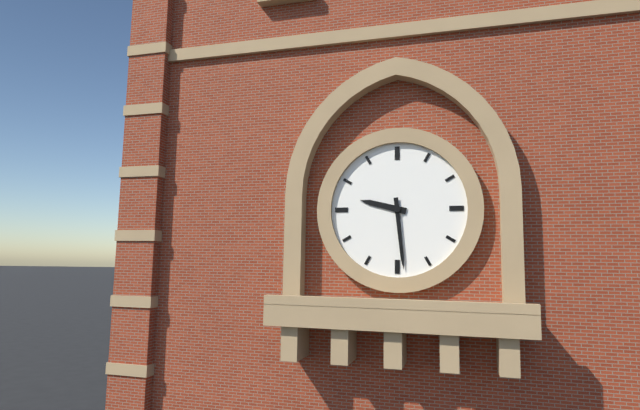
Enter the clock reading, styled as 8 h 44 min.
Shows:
9 h 29 min
